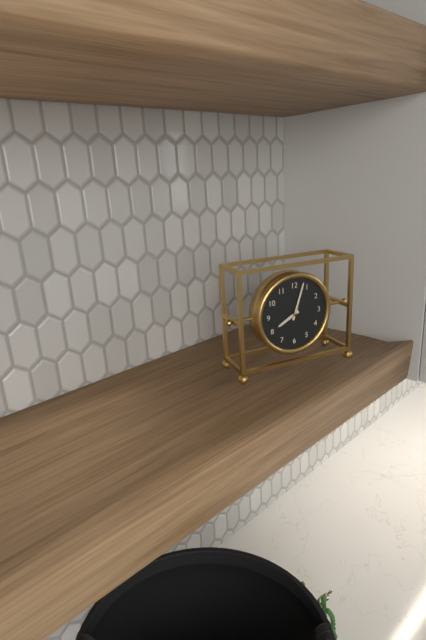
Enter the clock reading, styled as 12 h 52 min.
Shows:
8 h 03 min
